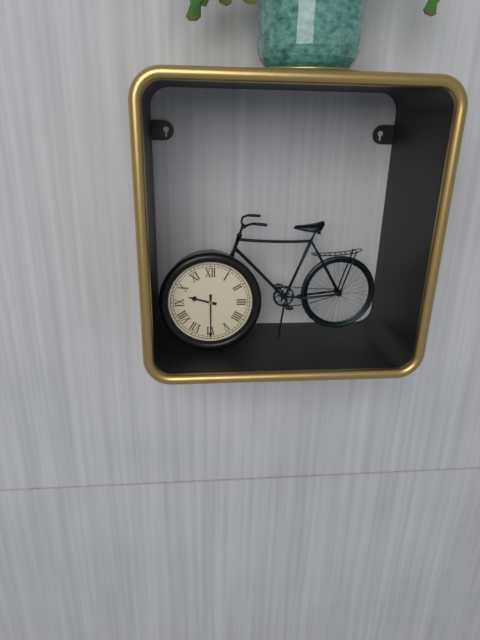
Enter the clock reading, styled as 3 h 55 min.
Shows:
9 h 30 min
